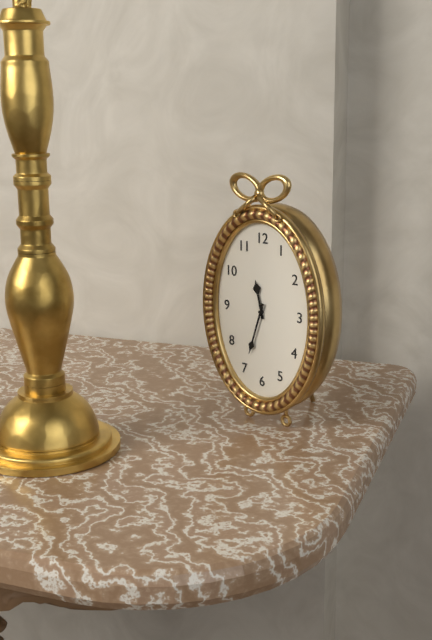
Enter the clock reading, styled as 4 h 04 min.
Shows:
11 h 33 min
